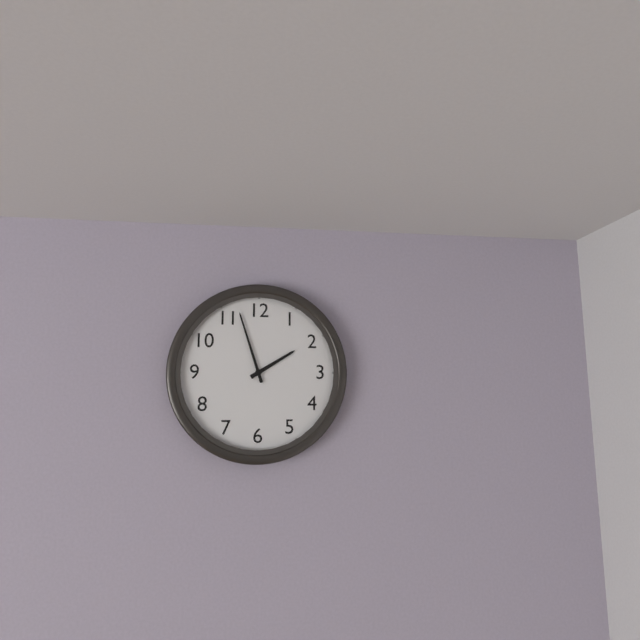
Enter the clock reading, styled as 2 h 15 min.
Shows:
1 h 57 min
